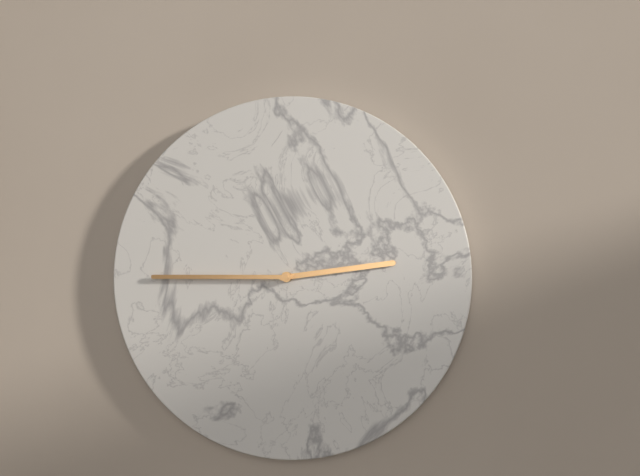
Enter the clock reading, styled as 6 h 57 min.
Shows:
2 h 45 min
